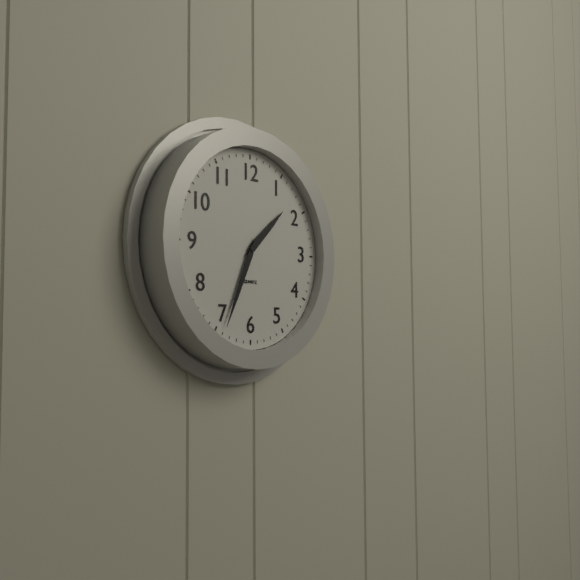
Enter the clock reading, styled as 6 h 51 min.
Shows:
1 h 34 min
